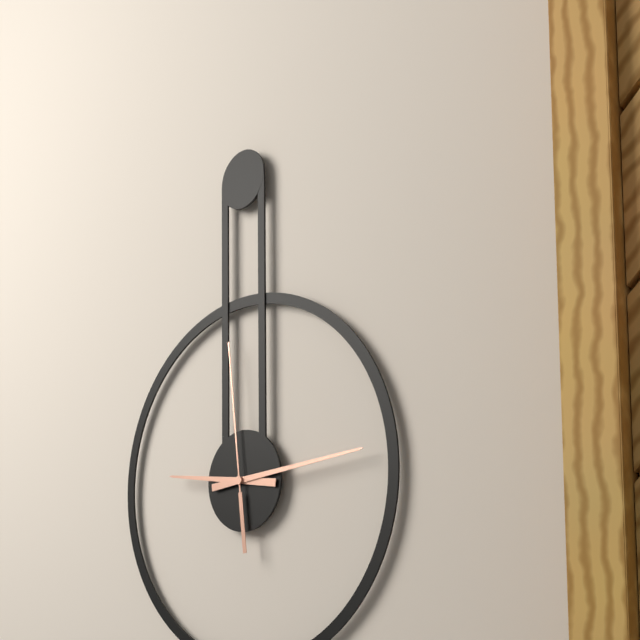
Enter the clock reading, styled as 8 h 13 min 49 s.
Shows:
9 h 14 min 59 s
